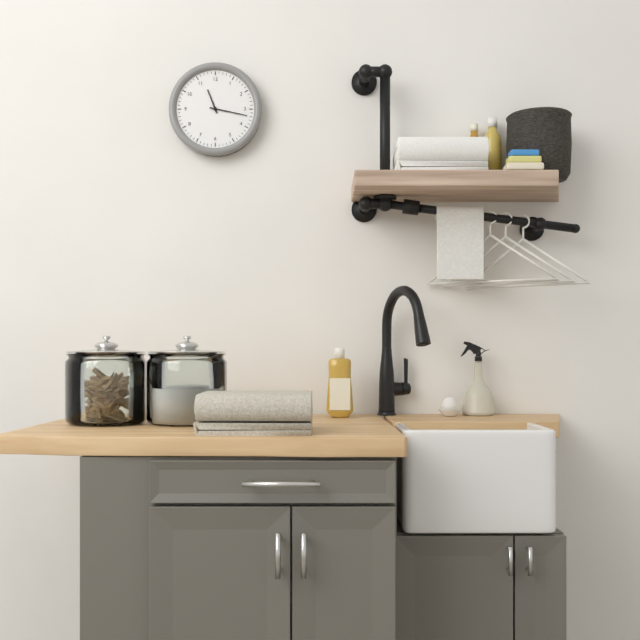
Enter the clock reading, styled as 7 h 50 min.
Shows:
11 h 17 min
